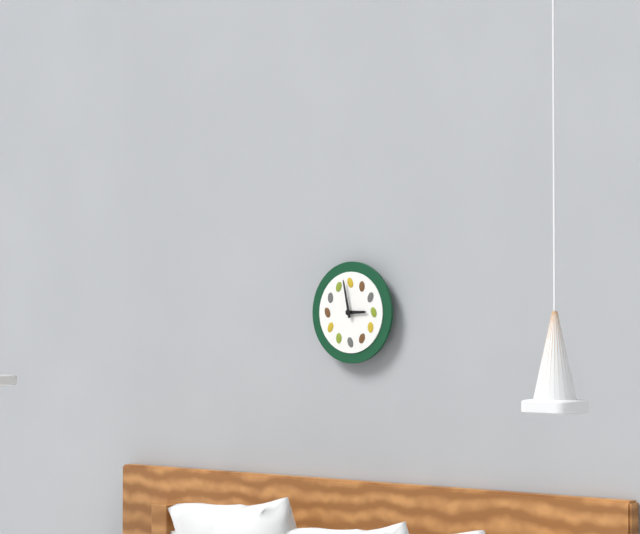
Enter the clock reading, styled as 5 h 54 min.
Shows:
2 h 58 min
